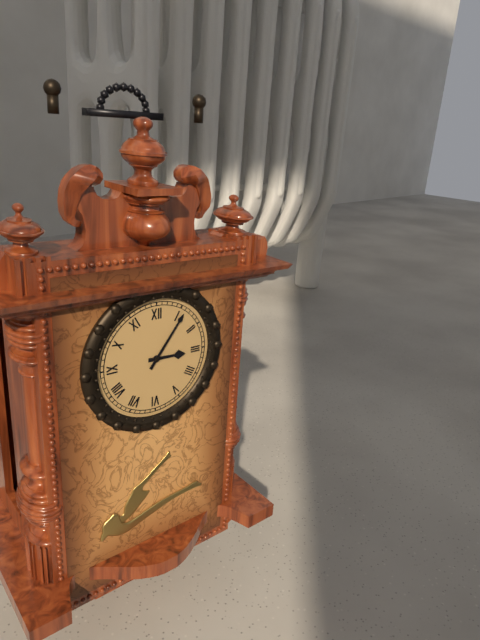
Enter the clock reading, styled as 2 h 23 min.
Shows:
3 h 06 min
